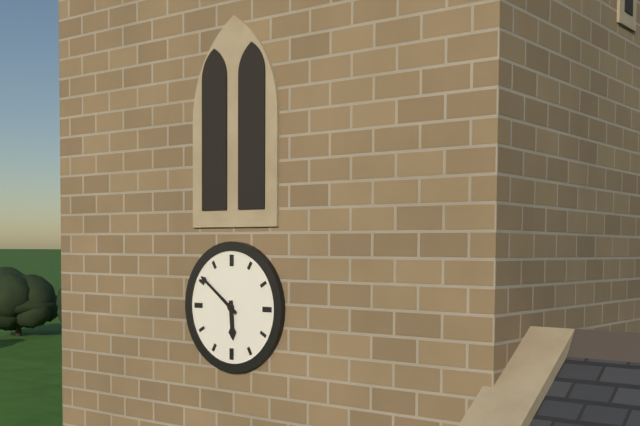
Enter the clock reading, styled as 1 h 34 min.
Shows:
5 h 51 min
